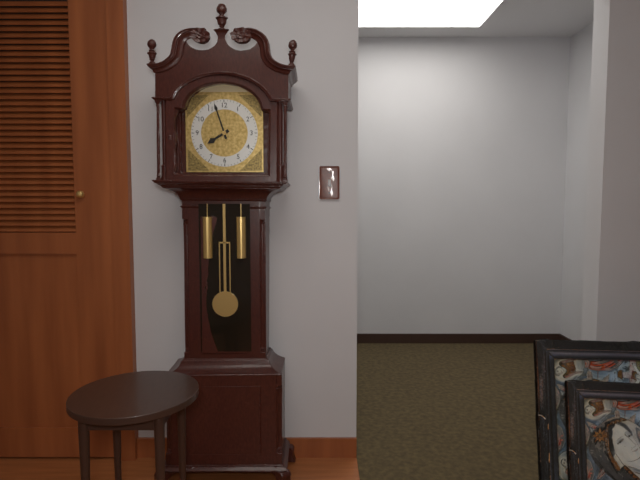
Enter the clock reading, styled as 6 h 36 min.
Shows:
7 h 57 min
